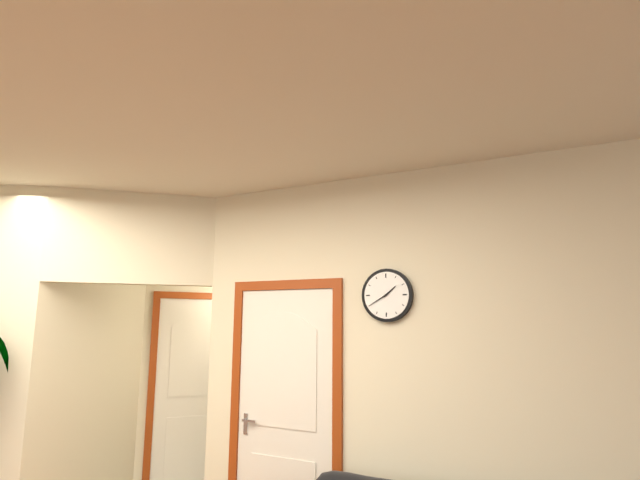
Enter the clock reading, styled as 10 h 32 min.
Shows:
1 h 40 min
